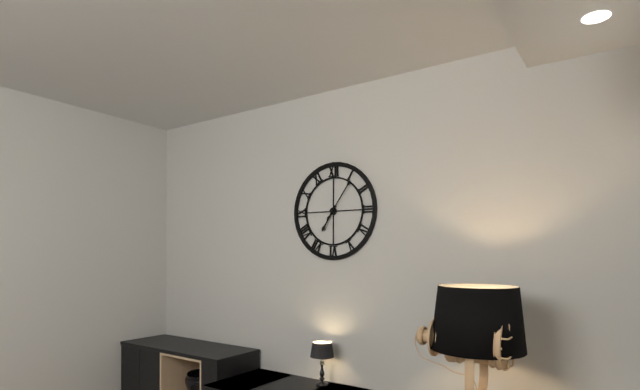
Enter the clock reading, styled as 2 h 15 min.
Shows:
7 h 06 min
